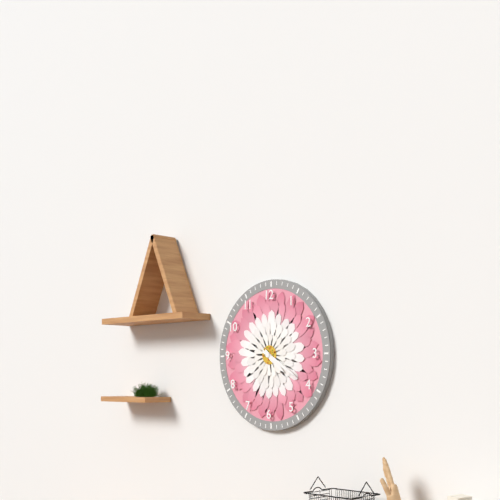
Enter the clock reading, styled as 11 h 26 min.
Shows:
4 h 20 min
